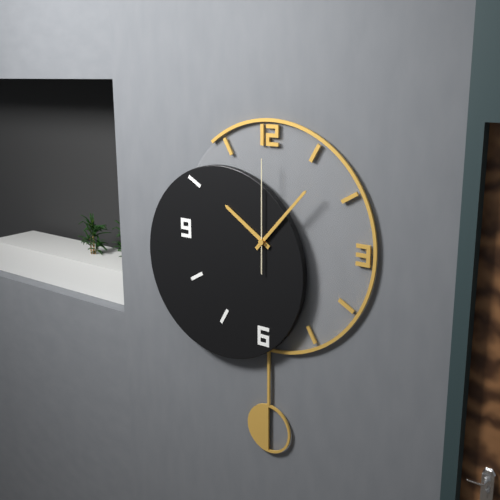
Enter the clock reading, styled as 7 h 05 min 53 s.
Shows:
10 h 07 min 00 s
